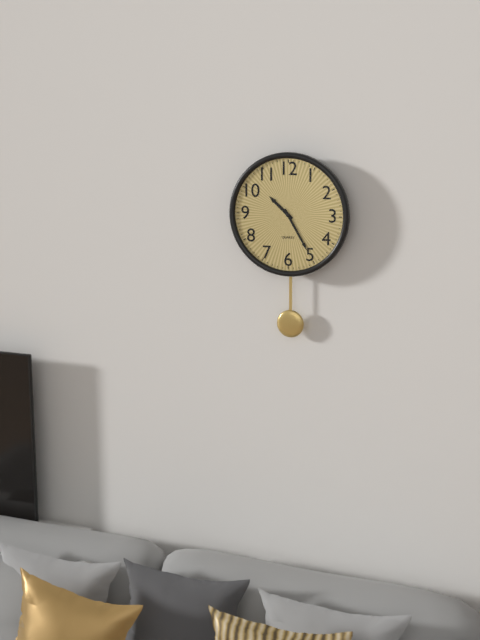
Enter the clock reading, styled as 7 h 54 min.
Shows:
10 h 25 min
